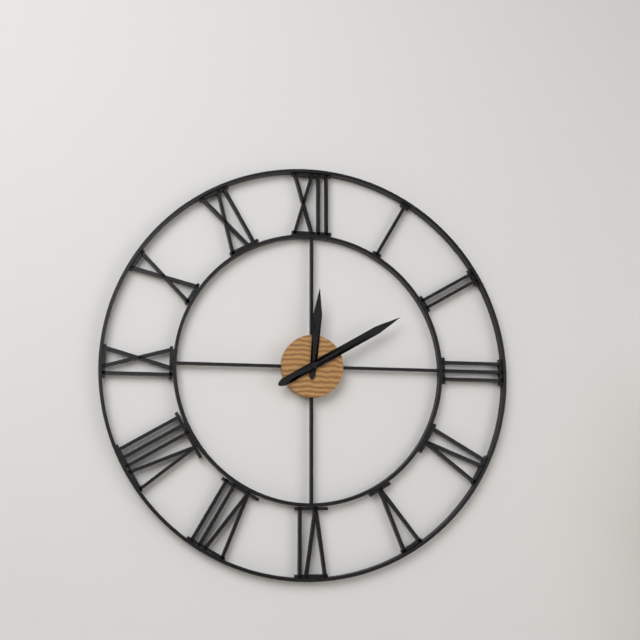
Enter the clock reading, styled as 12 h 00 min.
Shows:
12 h 10 min
